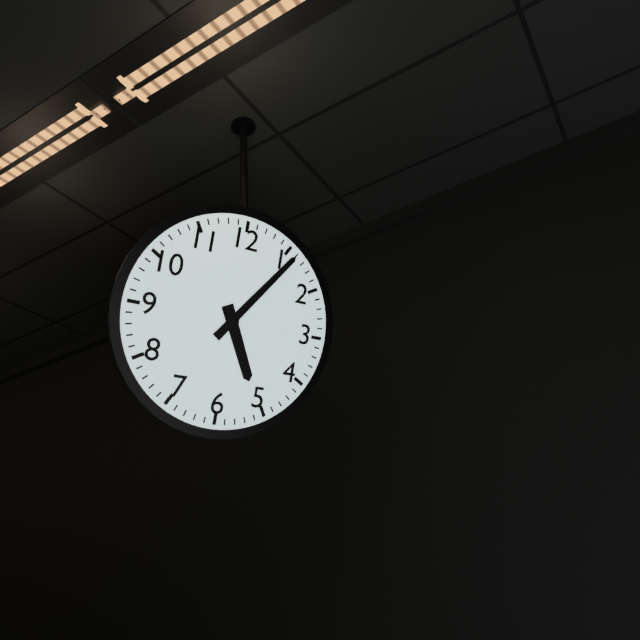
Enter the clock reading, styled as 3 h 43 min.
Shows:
5 h 06 min
